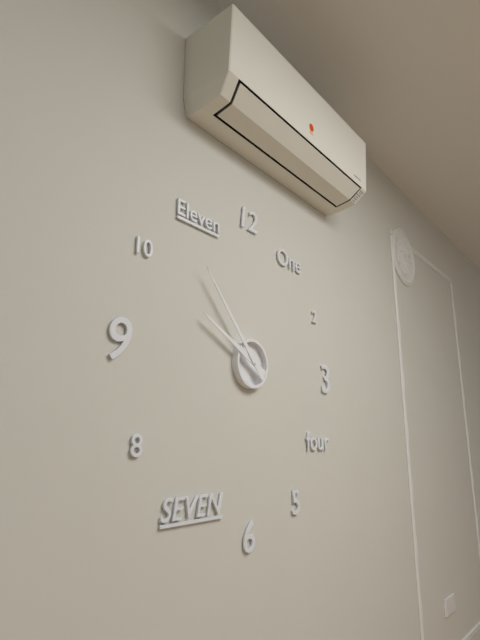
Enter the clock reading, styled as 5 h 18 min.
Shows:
9 h 53 min
